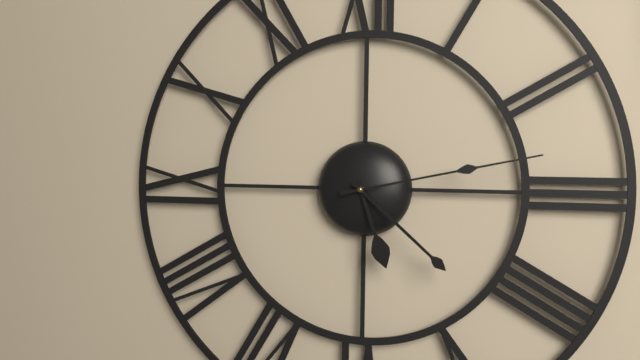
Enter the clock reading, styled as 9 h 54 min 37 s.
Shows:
5 h 22 min 13 s
